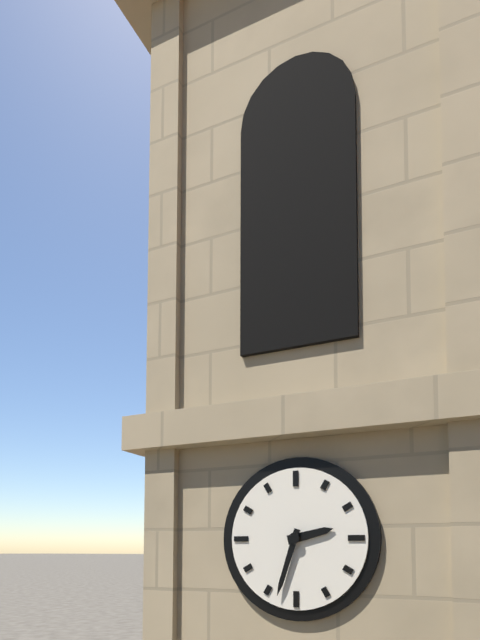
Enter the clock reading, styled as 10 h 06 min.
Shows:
2 h 33 min
